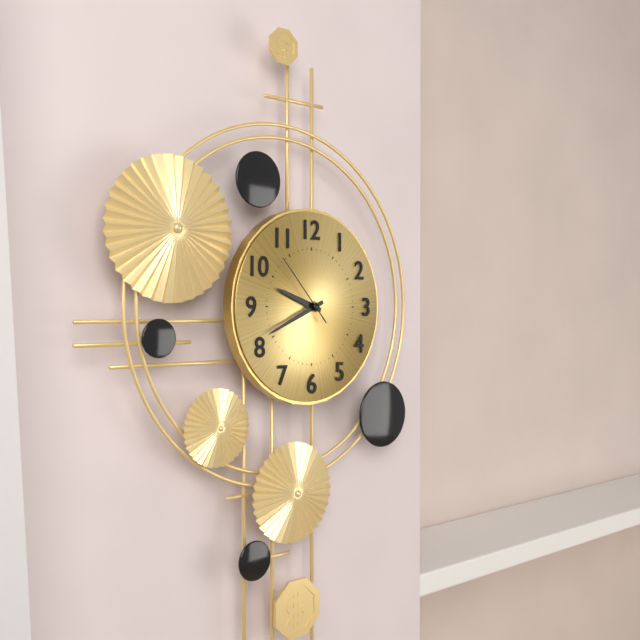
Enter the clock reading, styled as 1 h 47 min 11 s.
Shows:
9 h 41 min 53 s
